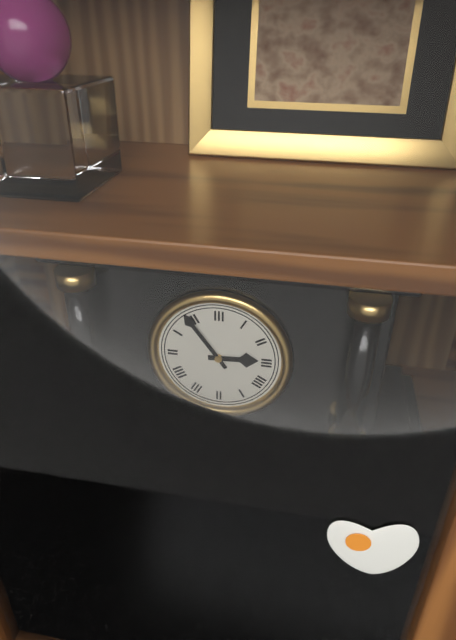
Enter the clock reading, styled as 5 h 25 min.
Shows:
2 h 54 min
